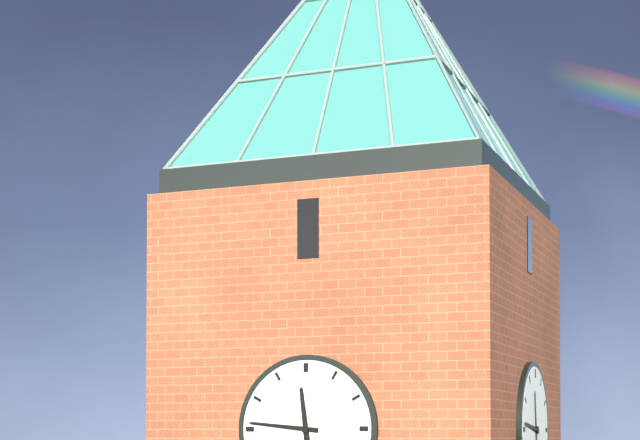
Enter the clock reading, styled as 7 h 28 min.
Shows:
11 h 46 min
